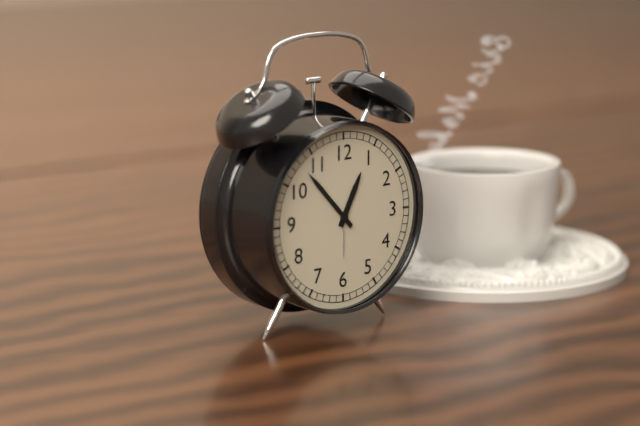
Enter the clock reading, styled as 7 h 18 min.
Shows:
12 h 53 min
